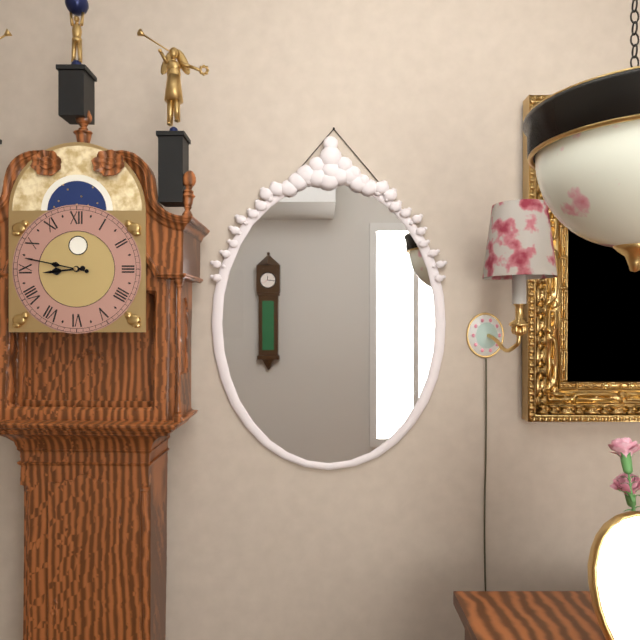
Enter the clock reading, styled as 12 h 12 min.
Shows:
8 h 47 min
